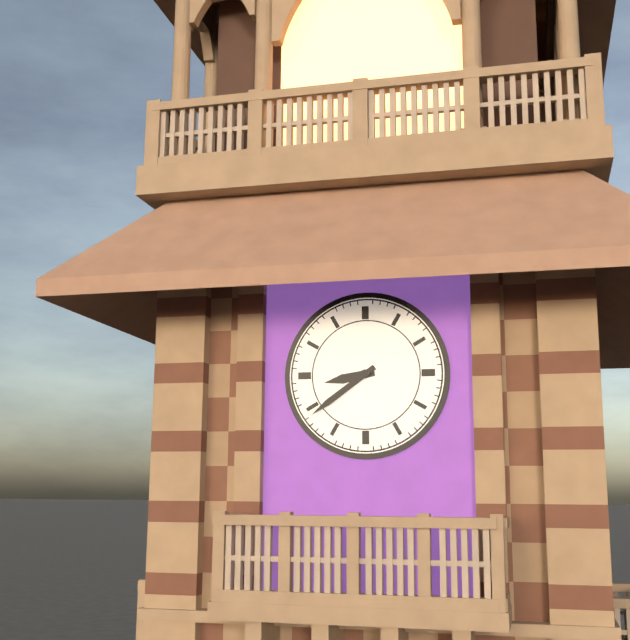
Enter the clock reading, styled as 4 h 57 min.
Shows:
8 h 39 min
